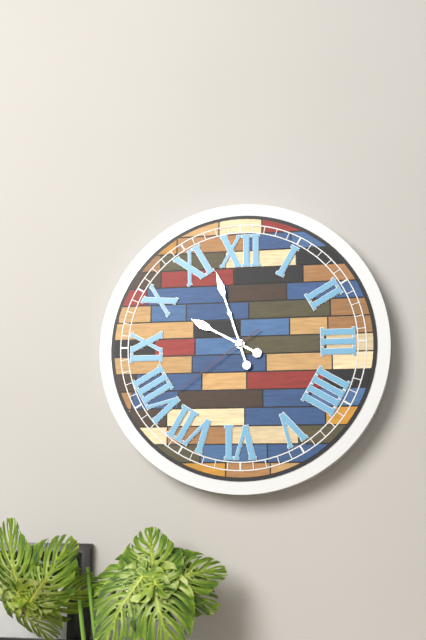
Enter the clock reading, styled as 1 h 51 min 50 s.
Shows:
9 h 57 min 39 s
